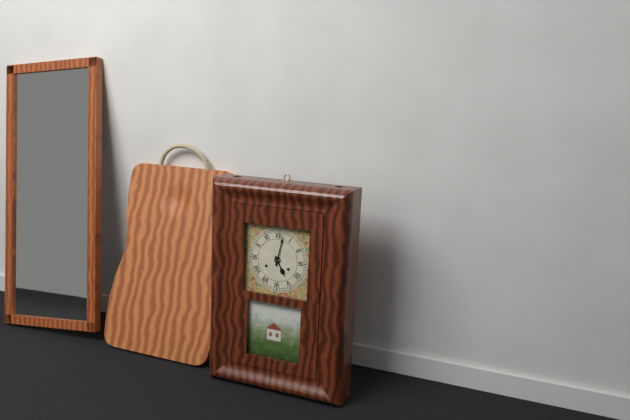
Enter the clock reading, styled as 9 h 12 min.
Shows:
5 h 02 min
